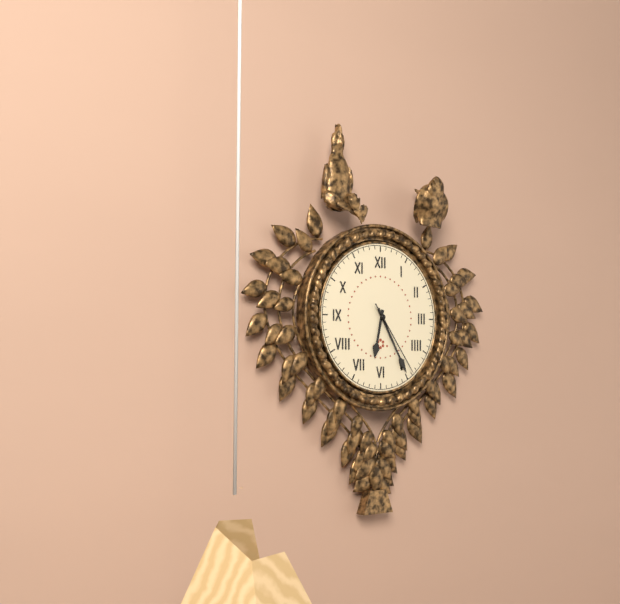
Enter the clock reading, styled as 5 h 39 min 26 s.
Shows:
6 h 25 min 24 s
